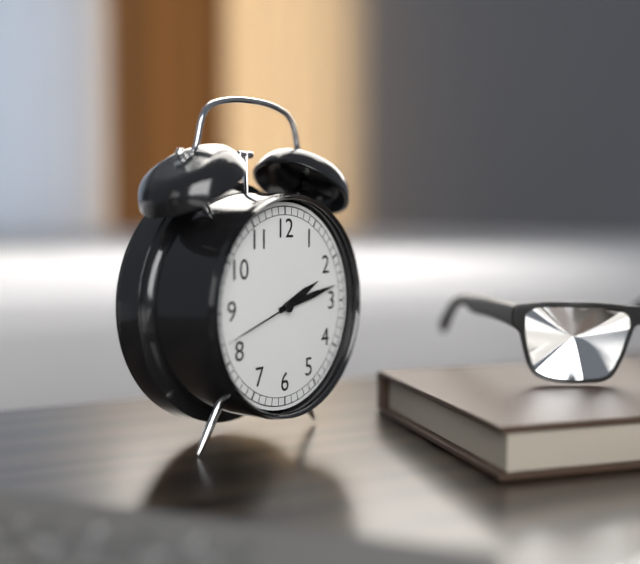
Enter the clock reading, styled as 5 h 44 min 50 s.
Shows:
2 h 13 min 42 s
